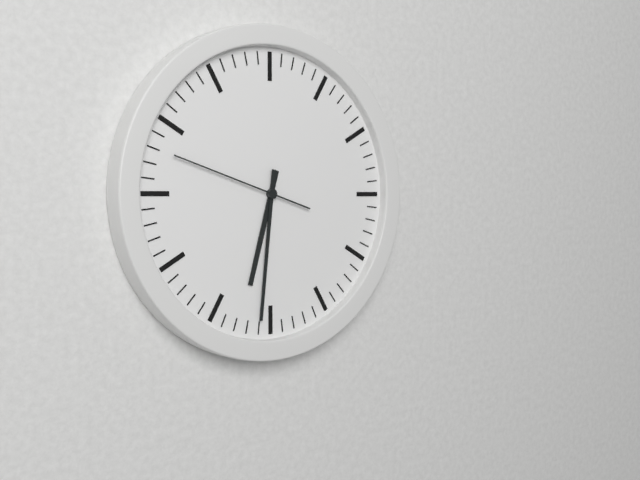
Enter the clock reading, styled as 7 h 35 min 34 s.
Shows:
6 h 31 min 48 s
